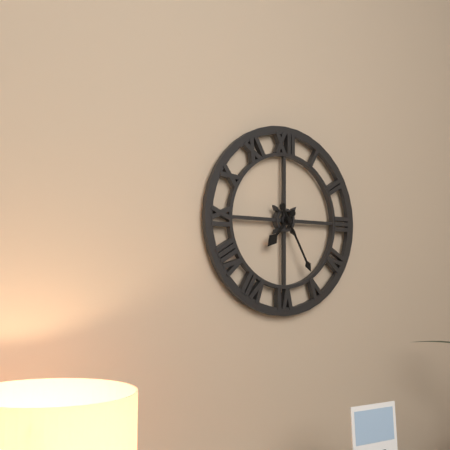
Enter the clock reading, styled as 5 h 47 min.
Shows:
7 h 25 min
